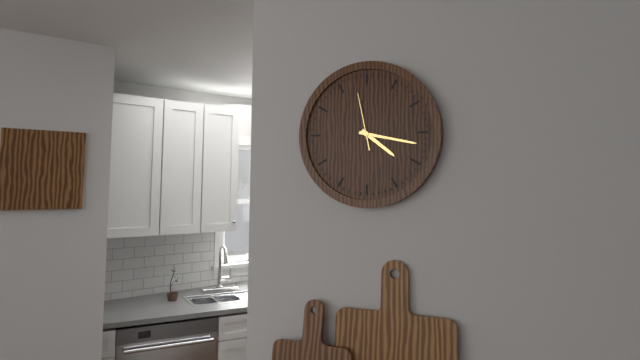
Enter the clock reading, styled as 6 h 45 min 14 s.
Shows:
4 h 17 min 58 s
